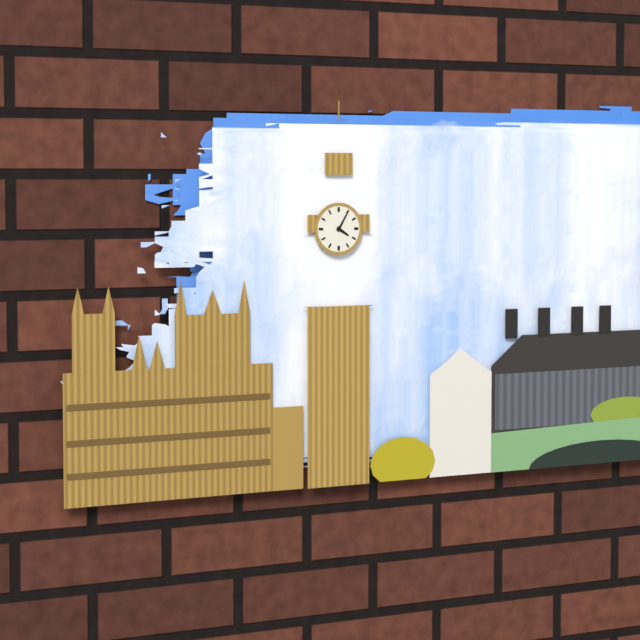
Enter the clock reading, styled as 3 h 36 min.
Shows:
4 h 05 min
